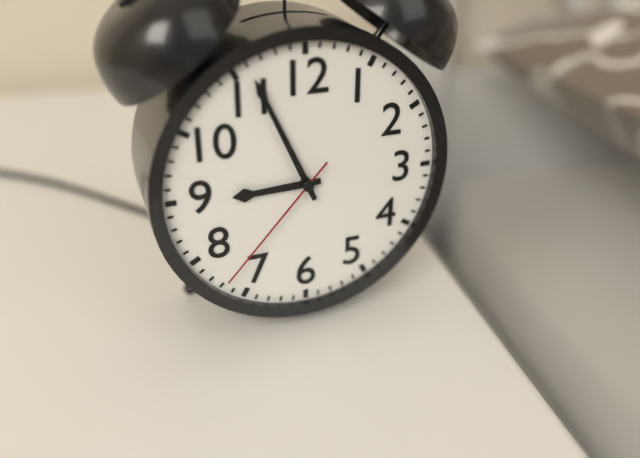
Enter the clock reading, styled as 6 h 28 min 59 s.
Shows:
8 h 56 min 37 s
